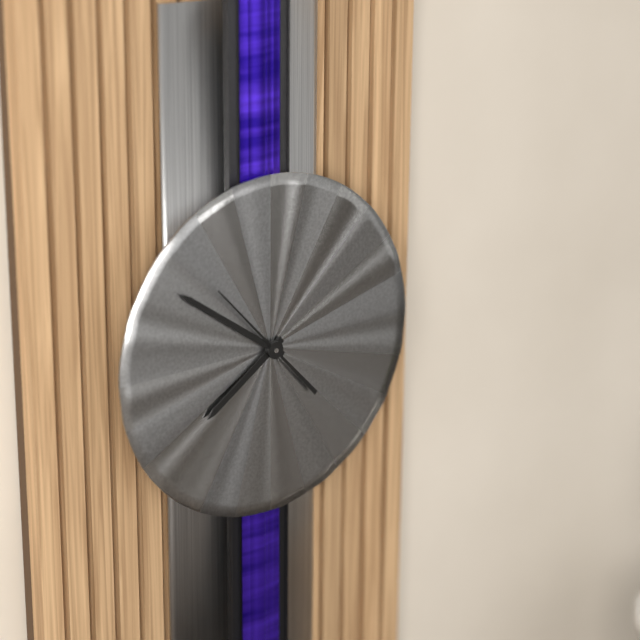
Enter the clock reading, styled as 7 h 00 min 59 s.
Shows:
7 h 51 min 53 s
